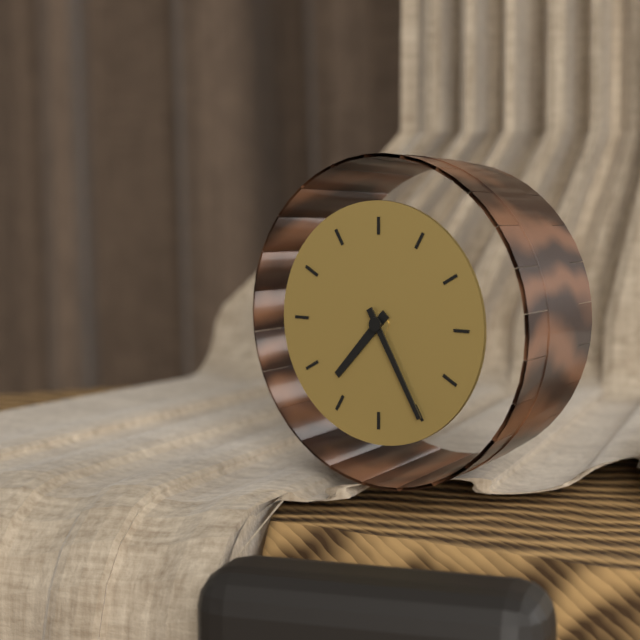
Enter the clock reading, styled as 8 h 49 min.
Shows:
7 h 25 min
